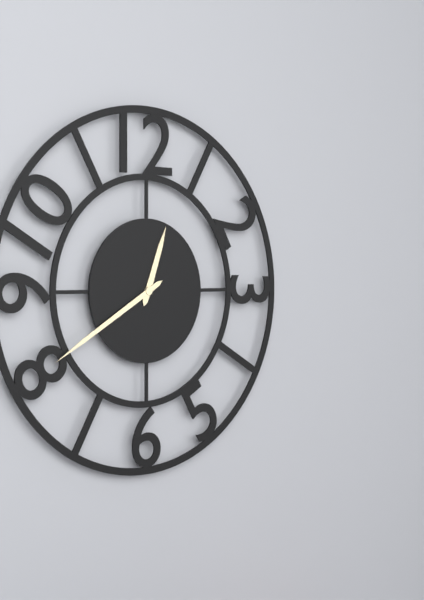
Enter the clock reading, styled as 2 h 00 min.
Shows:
12 h 40 min
